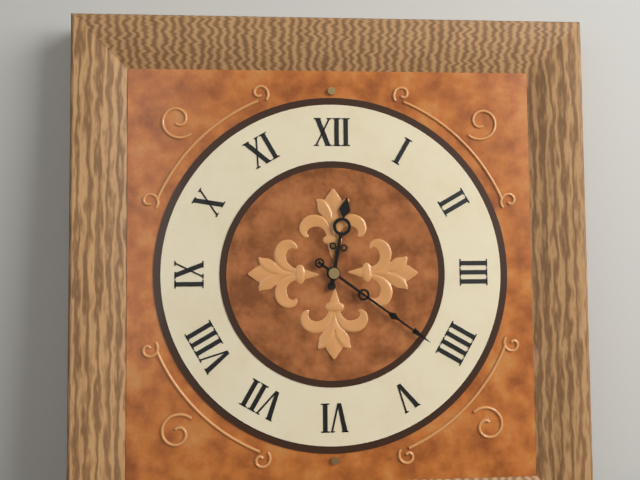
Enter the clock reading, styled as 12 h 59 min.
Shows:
12 h 21 min
